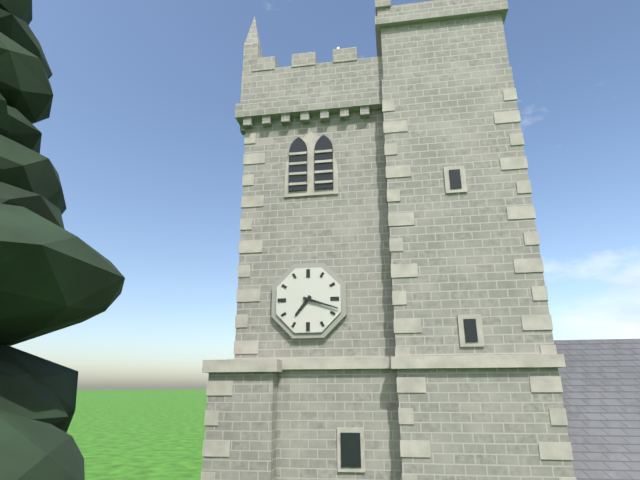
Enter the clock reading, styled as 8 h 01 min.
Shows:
7 h 18 min
